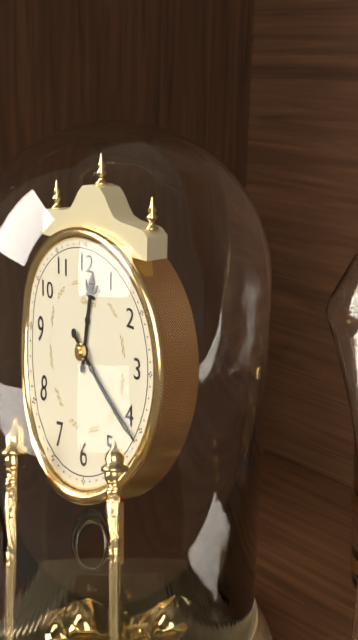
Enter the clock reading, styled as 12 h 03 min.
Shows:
12 h 21 min
